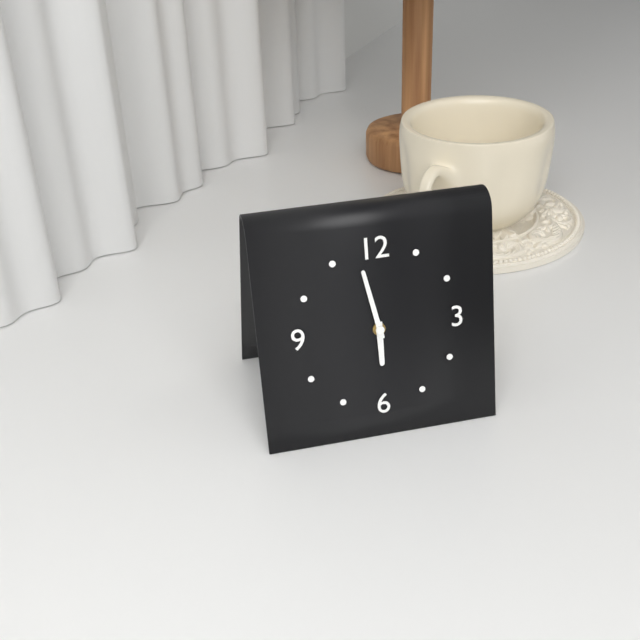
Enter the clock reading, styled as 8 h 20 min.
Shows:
5 h 58 min
